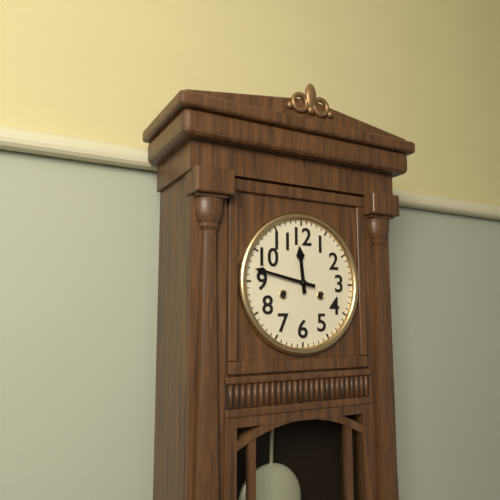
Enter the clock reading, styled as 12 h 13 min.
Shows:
11 h 47 min
